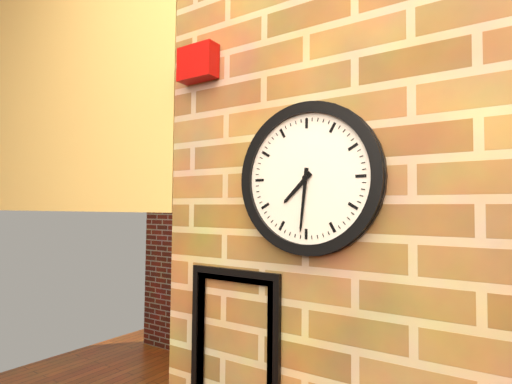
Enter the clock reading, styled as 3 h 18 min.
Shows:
7 h 31 min
